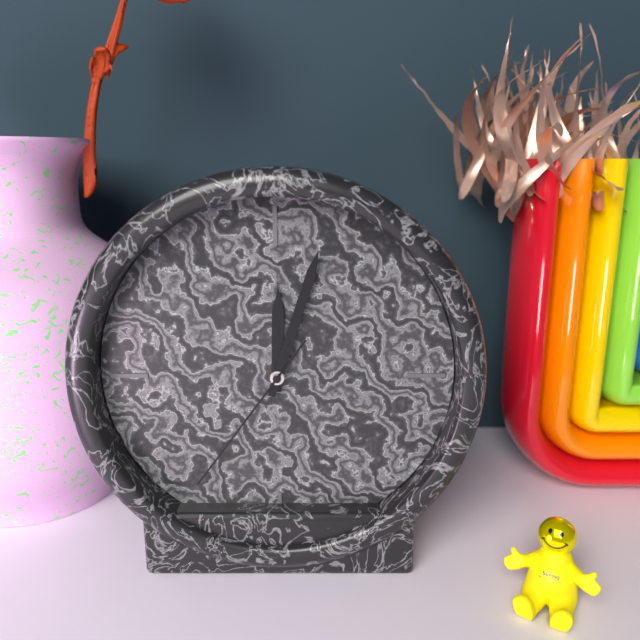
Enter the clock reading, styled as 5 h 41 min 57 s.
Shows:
12 h 03 min 36 s
